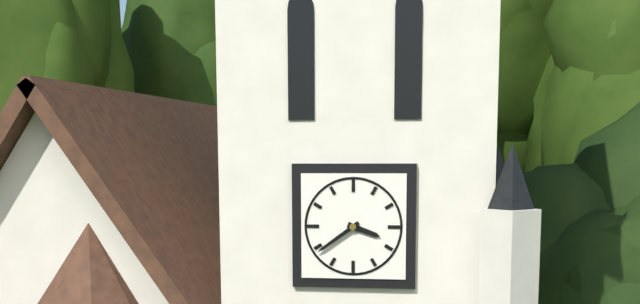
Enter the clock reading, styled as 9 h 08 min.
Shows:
3 h 39 min
